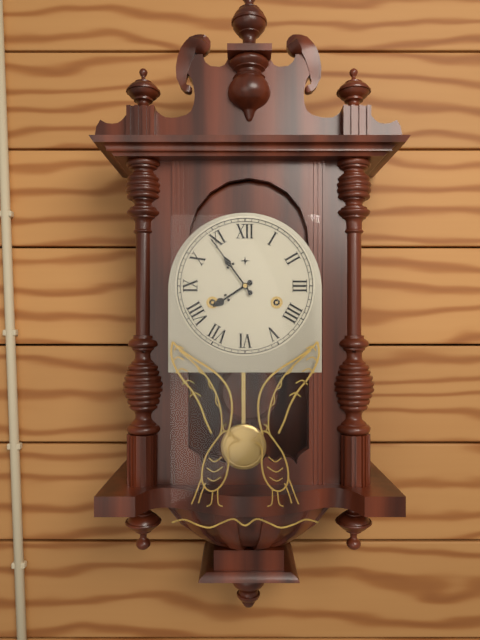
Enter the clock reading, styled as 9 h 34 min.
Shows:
7 h 54 min
